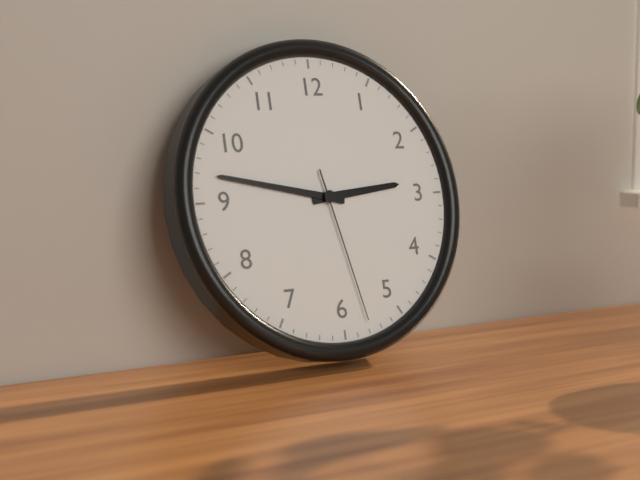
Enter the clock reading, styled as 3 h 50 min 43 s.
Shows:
2 h 47 min 28 s
